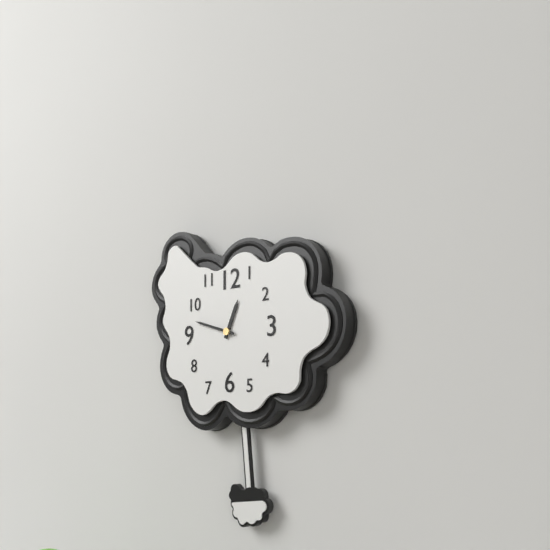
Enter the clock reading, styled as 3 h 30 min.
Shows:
12 h 48 min
